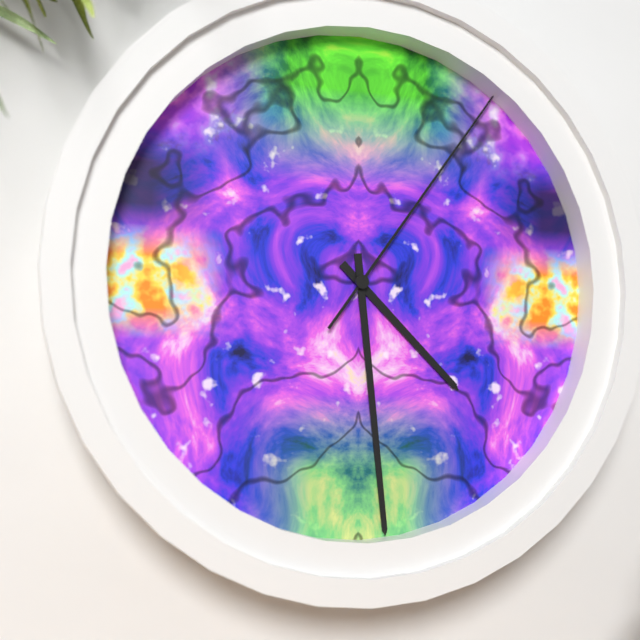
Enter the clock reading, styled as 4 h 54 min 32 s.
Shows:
4 h 29 min 06 s
